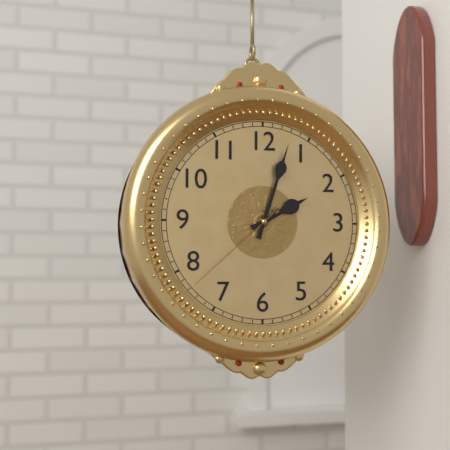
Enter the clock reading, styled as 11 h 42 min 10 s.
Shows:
2 h 03 min 38 s
